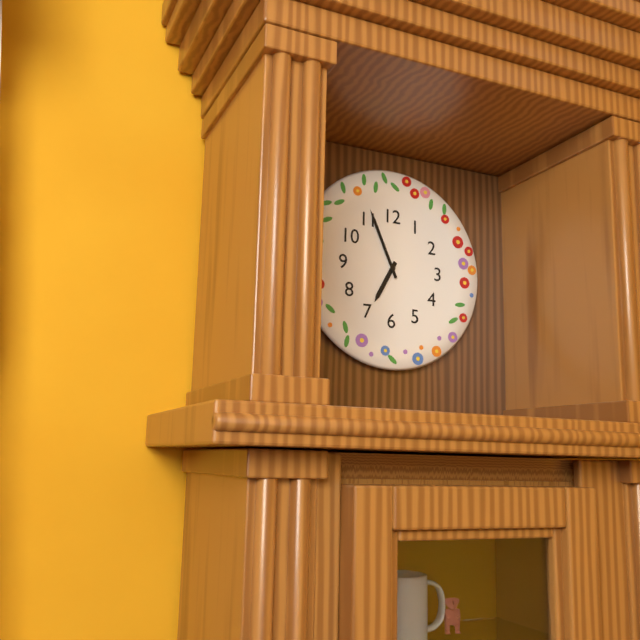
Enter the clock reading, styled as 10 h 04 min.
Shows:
6 h 56 min
